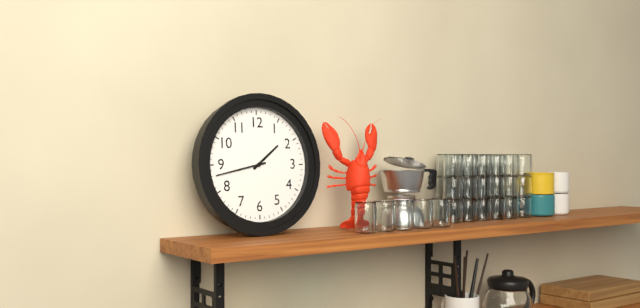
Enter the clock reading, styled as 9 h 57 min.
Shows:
1 h 43 min
